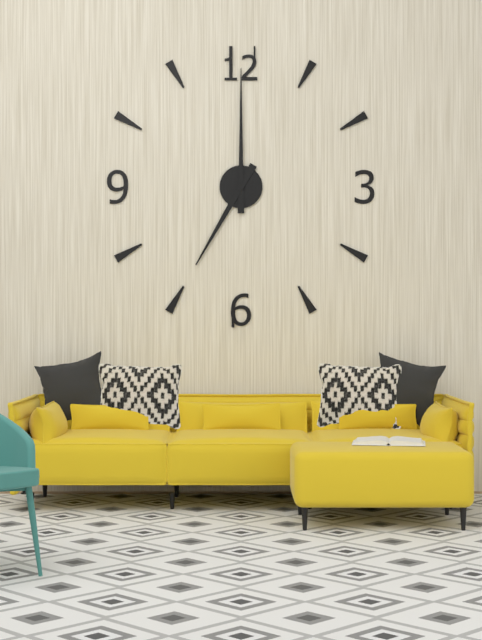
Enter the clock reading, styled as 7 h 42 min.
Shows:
7 h 00 min
